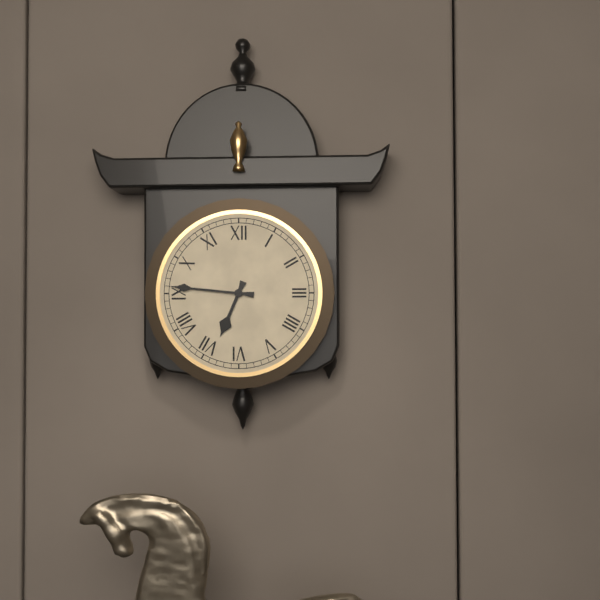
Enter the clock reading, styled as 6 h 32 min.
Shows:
6 h 46 min
